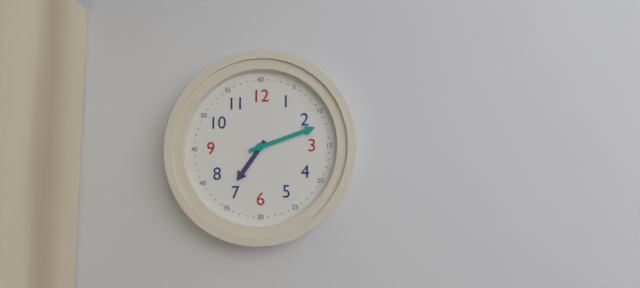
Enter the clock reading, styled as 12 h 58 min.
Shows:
7 h 12 min
